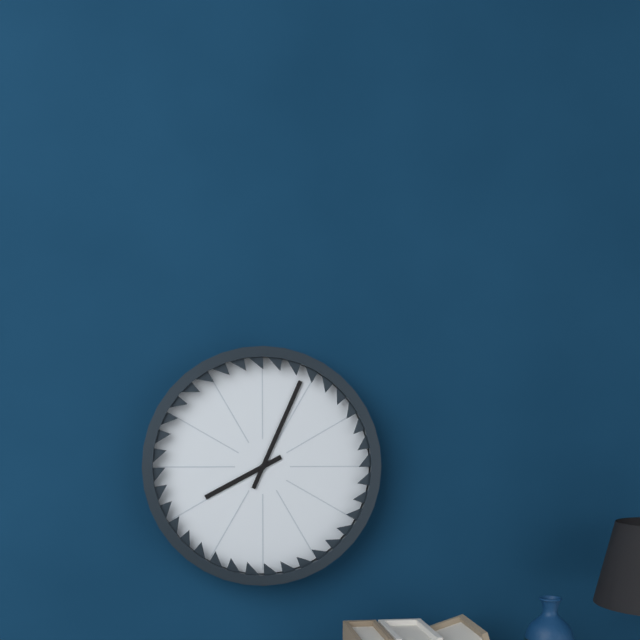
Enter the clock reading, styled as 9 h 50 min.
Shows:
8 h 04 min
